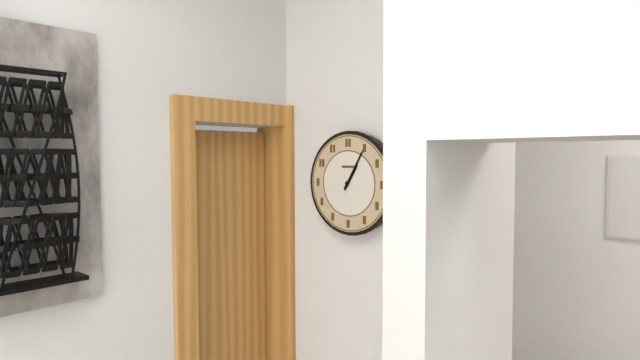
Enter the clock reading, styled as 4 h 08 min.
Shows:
1 h 05 min
